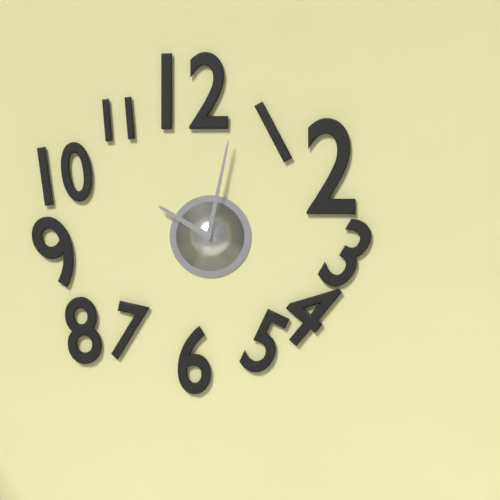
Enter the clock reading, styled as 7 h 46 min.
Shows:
10 h 02 min
